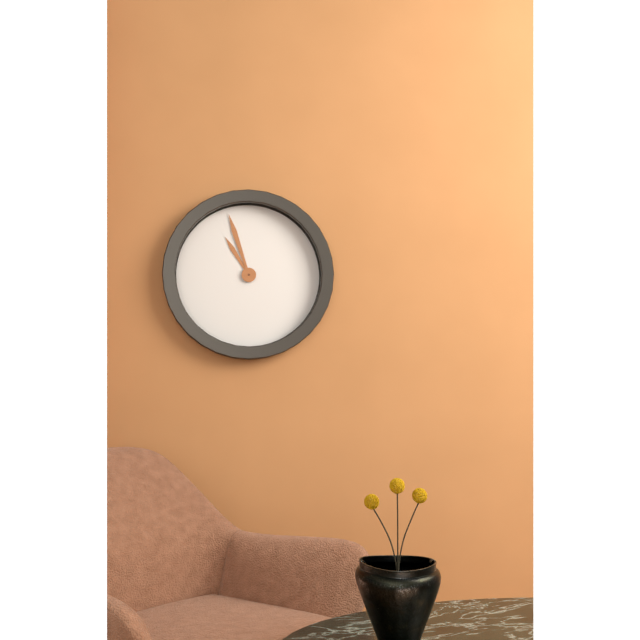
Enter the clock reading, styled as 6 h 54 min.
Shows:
10 h 57 min
